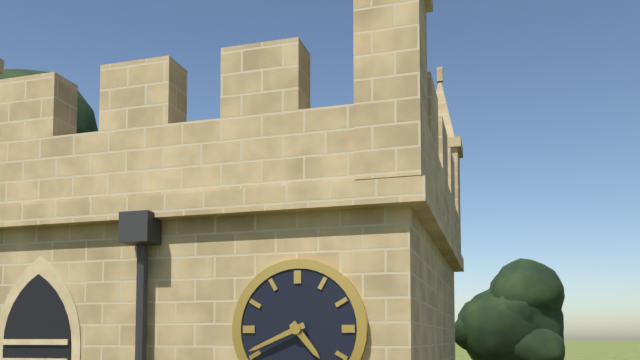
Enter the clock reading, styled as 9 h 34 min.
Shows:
4 h 41 min
